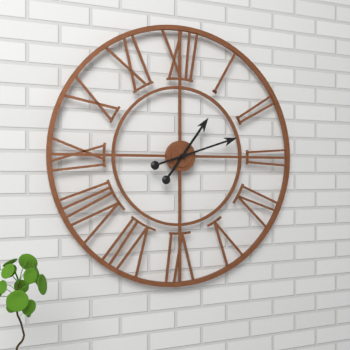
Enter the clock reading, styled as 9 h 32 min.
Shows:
1 h 12 min
